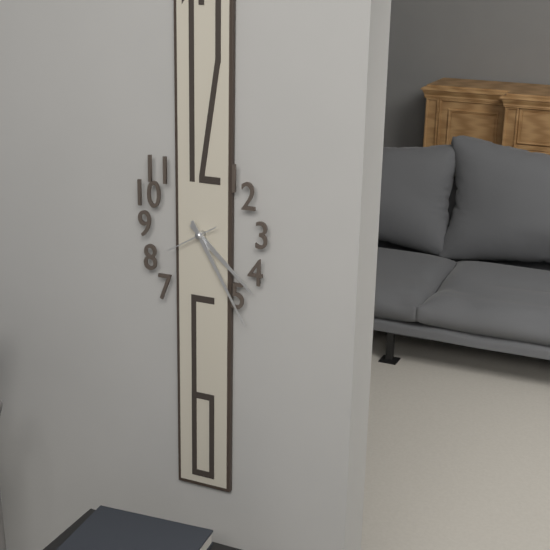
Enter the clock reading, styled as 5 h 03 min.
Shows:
4 h 25 min
